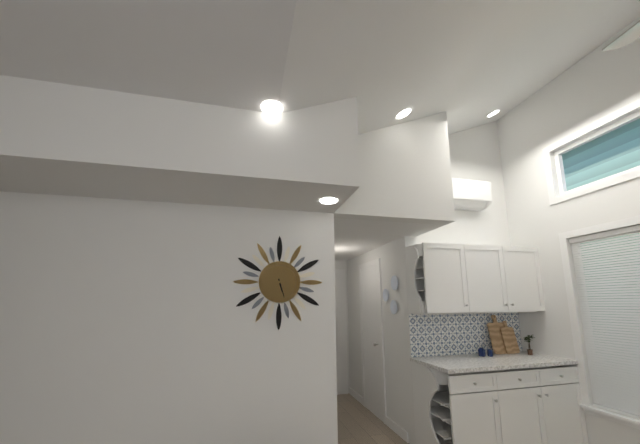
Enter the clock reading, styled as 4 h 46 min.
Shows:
5 h 27 min
